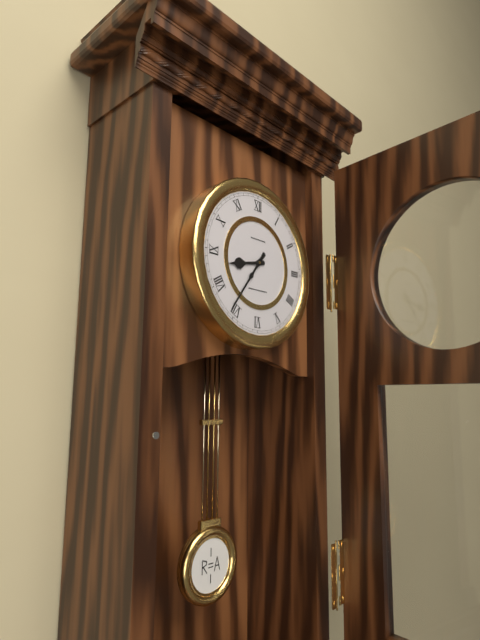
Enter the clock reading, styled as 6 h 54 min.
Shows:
8 h 36 min
